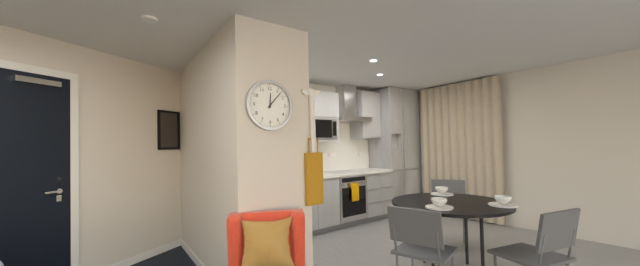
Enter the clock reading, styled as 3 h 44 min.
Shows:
12 h 07 min
